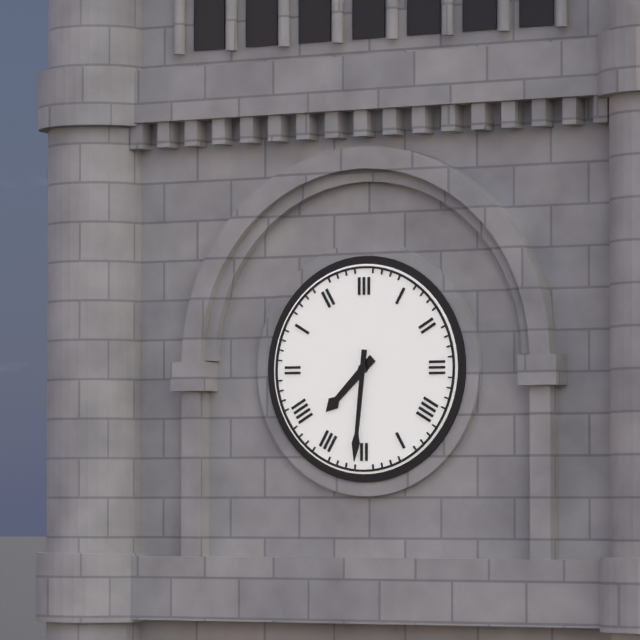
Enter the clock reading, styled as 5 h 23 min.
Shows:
7 h 31 min
